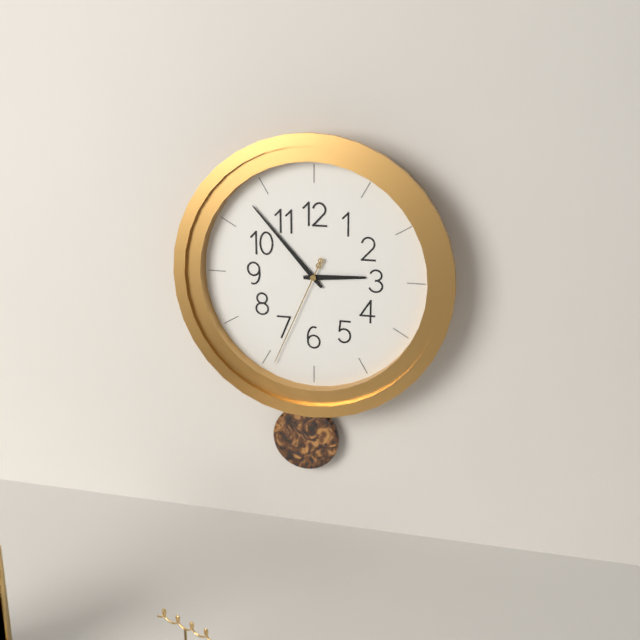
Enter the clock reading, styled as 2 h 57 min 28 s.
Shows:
2 h 53 min 34 s
